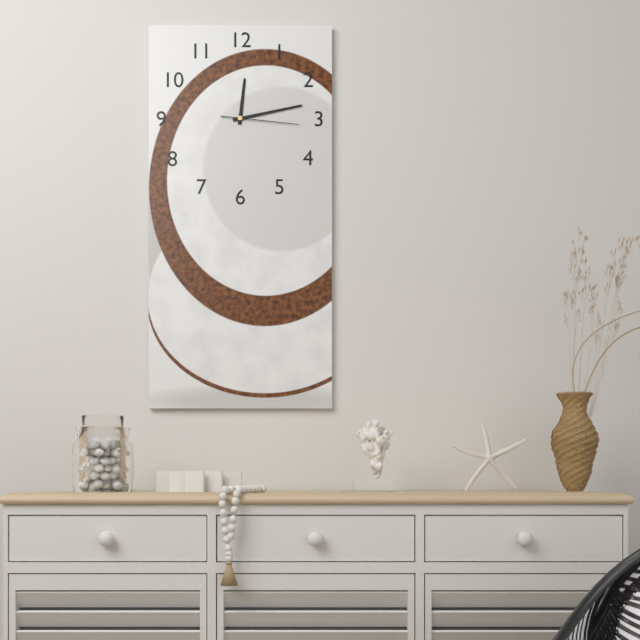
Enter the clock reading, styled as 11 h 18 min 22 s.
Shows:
12 h 13 min 16 s
